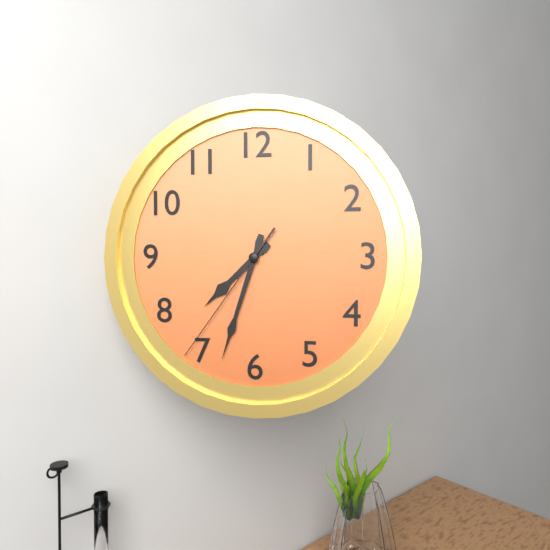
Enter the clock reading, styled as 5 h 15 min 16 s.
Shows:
7 h 33 min 36 s
